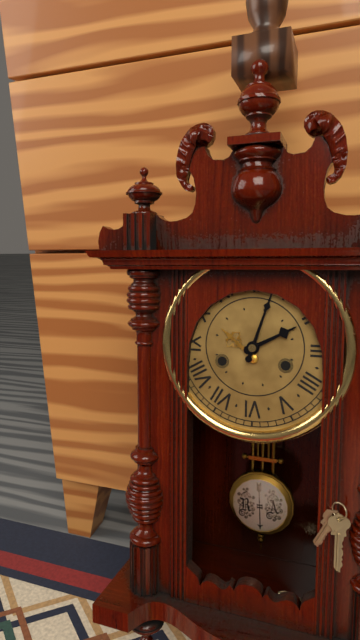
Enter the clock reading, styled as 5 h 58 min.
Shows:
2 h 03 min
